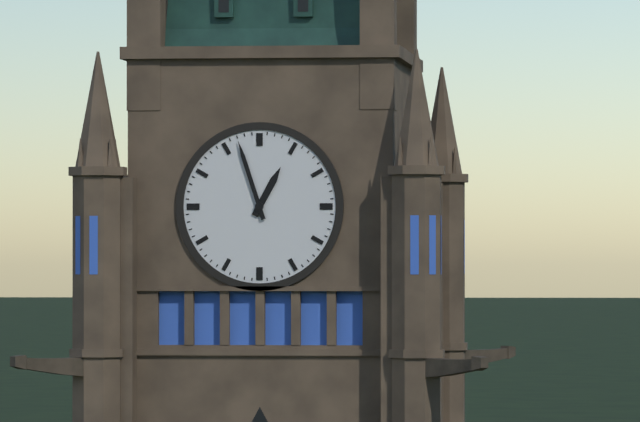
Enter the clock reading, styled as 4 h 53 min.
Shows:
12 h 57 min
